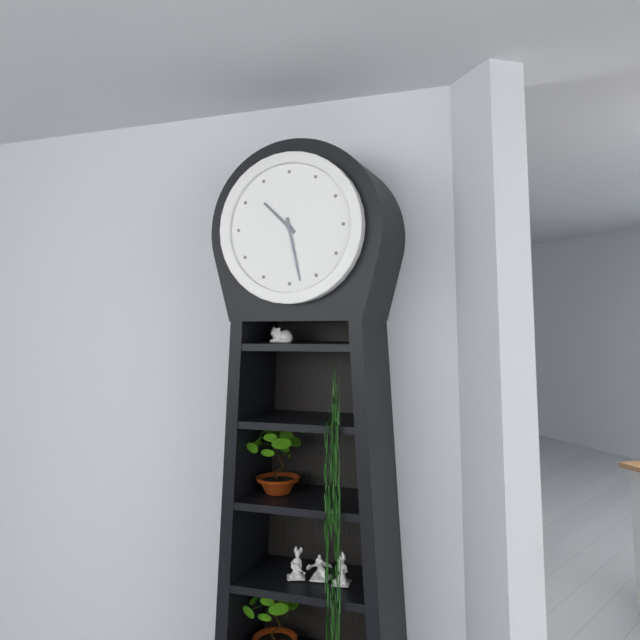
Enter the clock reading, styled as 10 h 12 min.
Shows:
10 h 28 min
